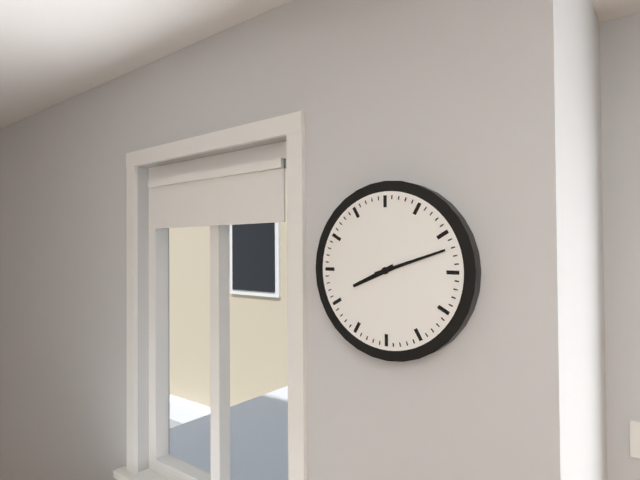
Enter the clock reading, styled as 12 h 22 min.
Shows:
8 h 12 min
